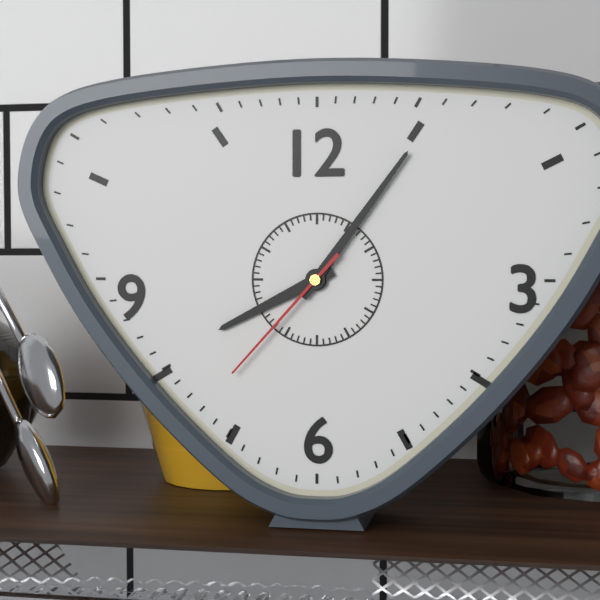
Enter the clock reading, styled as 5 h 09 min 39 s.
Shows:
8 h 06 min 37 s
